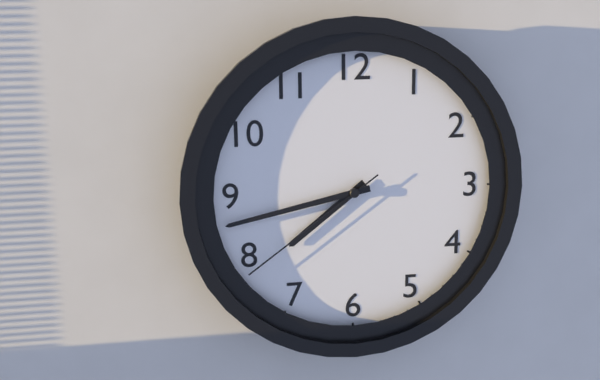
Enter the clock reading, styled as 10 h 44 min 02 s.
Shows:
7 h 43 min 39 s
